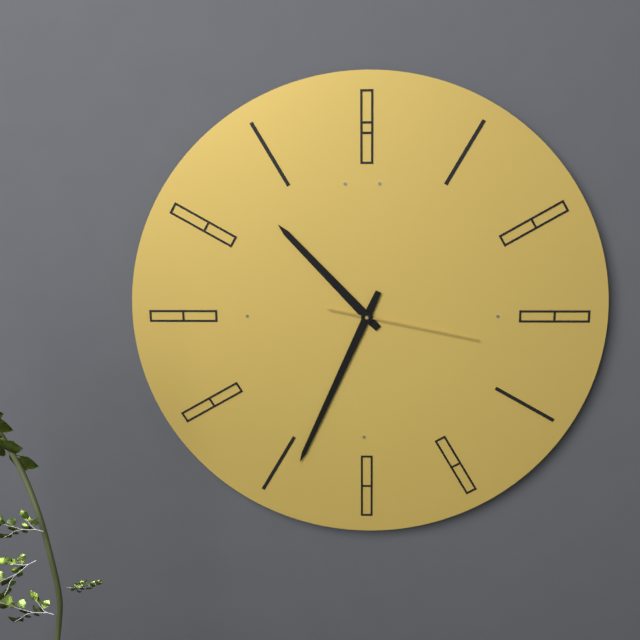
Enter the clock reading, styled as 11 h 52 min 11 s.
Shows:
10 h 34 min 17 s
